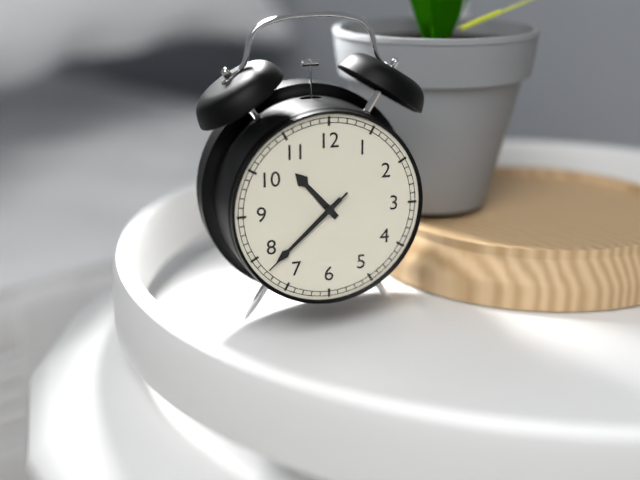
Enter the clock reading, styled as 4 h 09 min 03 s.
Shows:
10 h 38 min 38 s
